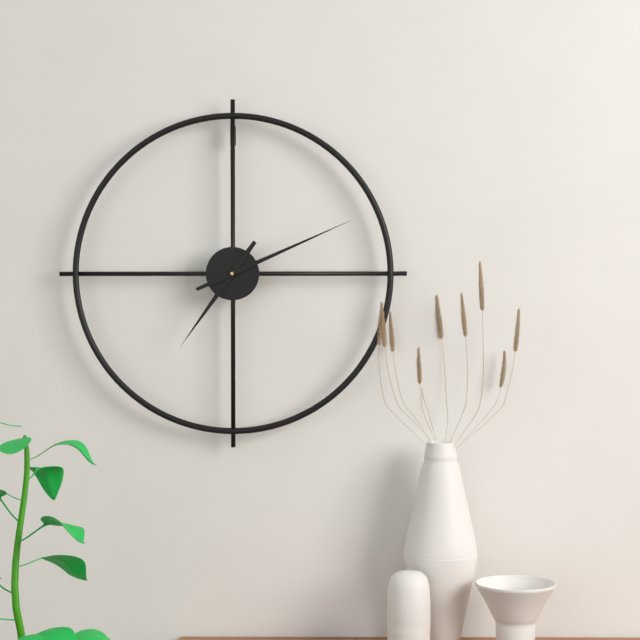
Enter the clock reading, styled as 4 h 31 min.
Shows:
7 h 11 min
